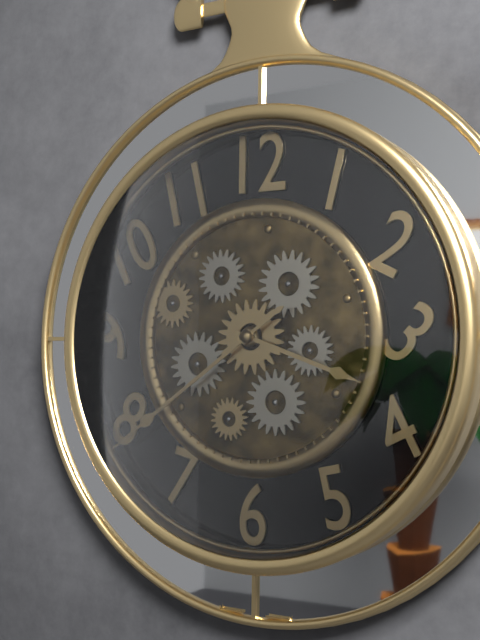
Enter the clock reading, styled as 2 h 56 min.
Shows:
3 h 39 min
